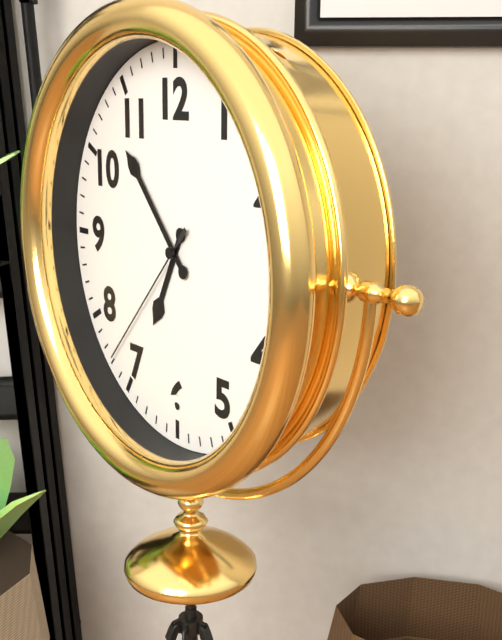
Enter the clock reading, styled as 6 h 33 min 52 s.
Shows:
6 h 53 min 37 s
